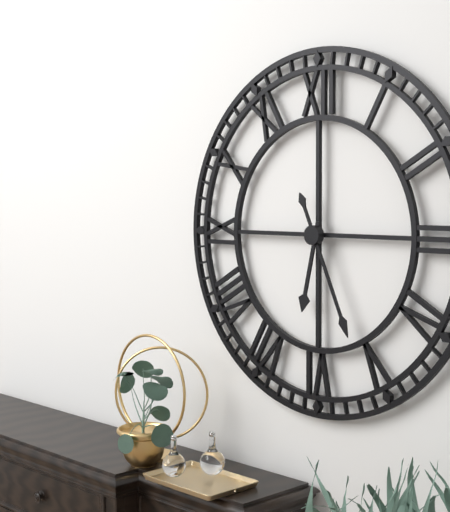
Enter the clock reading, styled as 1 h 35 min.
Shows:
6 h 26 min
